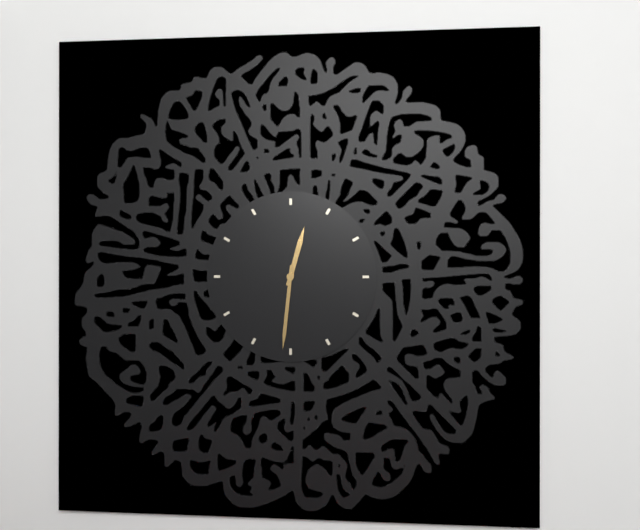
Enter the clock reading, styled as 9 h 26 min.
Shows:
12 h 31 min
